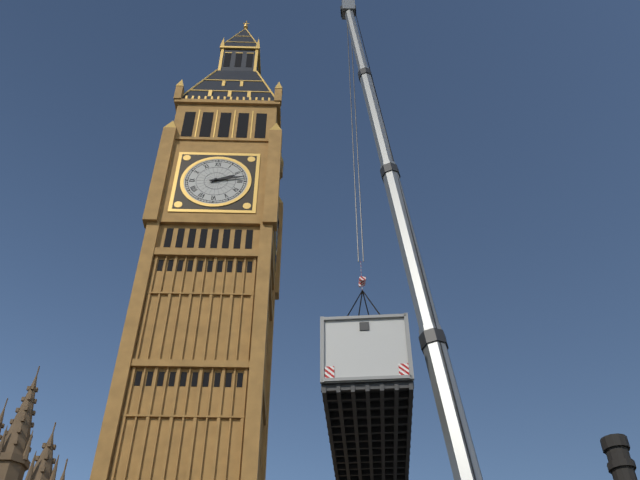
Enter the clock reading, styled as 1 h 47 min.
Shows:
2 h 13 min
